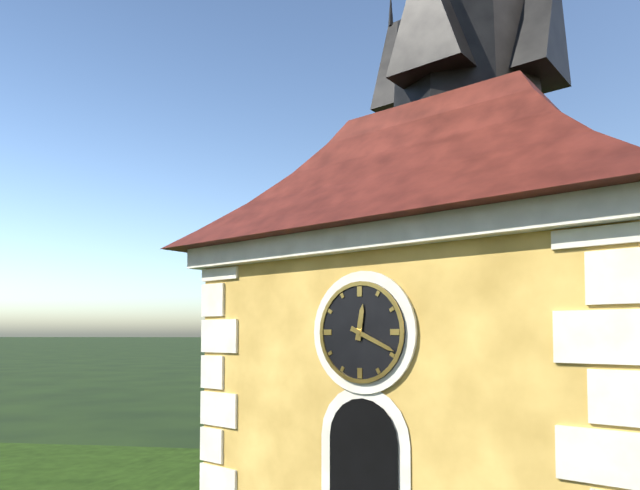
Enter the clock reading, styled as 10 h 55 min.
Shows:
12 h 19 min
